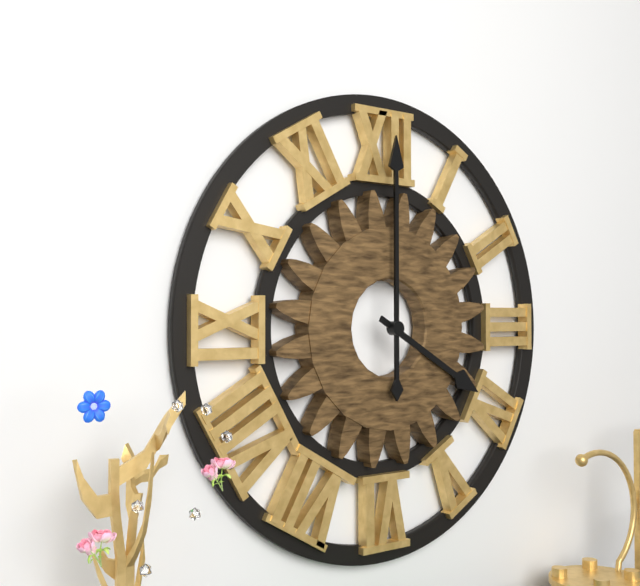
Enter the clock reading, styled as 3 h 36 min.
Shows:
4 h 00 min
